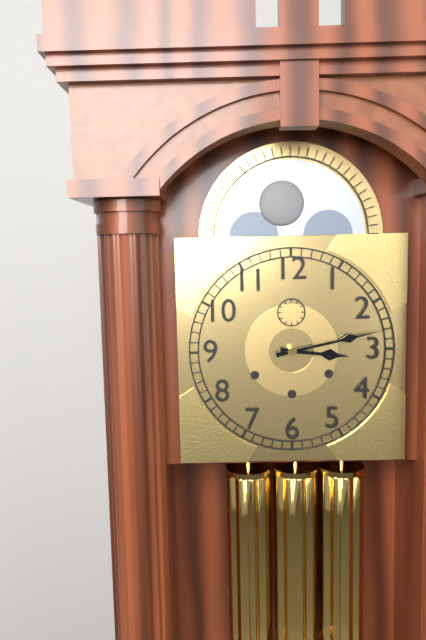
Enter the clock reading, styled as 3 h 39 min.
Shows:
3 h 13 min
